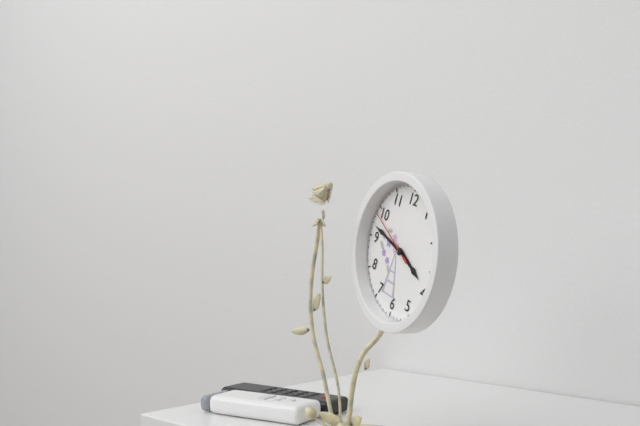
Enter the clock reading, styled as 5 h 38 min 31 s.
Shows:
3 h 47 min 49 s
